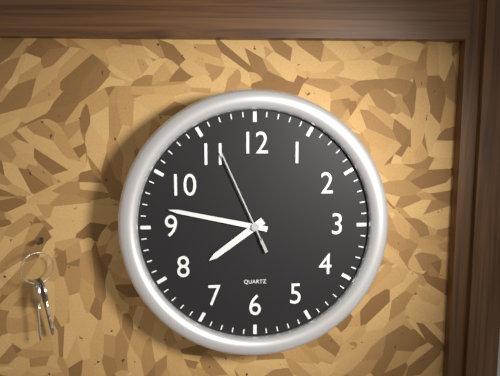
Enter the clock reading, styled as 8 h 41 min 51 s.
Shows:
7 h 47 min 56 s
